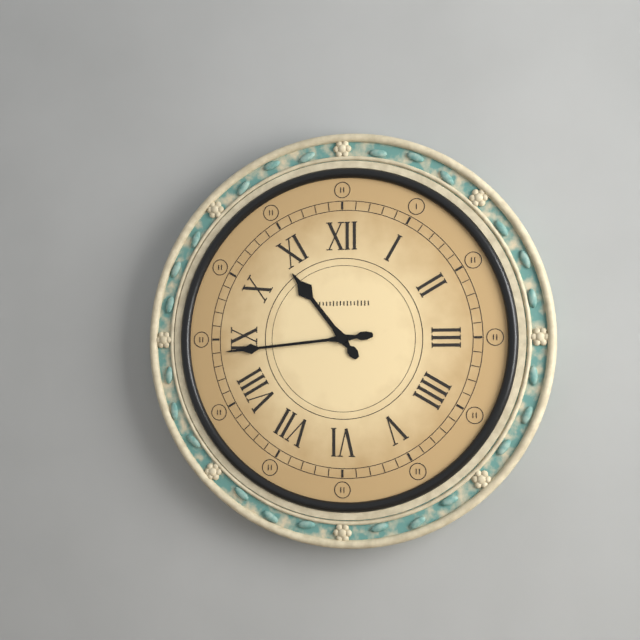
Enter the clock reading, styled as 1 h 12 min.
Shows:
10 h 44 min
